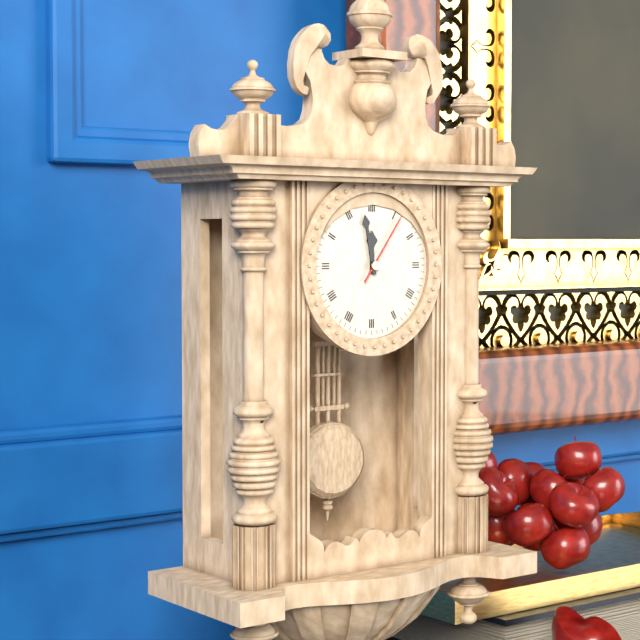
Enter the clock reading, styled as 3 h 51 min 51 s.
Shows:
11 h 58 min 06 s
